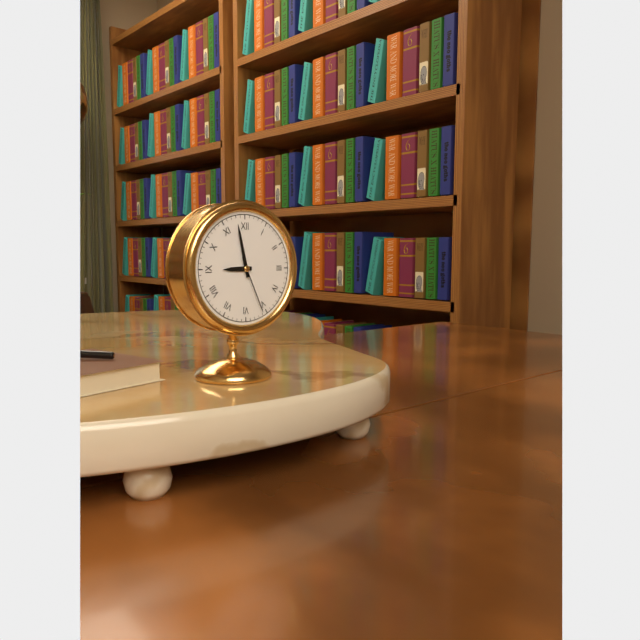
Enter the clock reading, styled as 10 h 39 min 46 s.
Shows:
8 h 58 min 26 s
